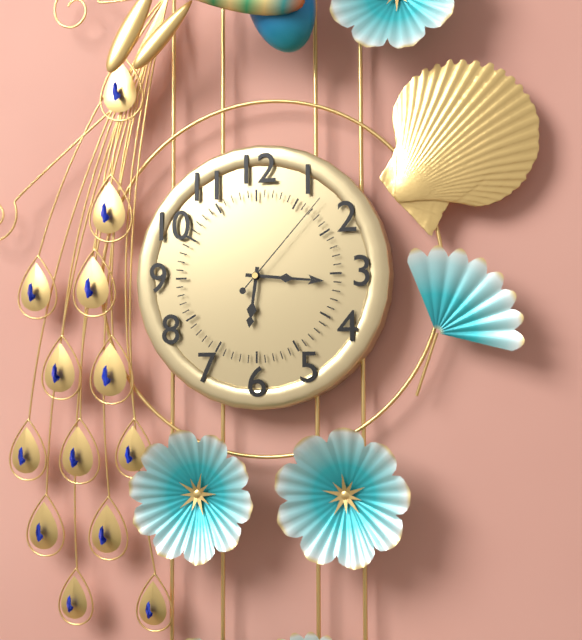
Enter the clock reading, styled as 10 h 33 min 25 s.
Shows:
6 h 16 min 07 s
